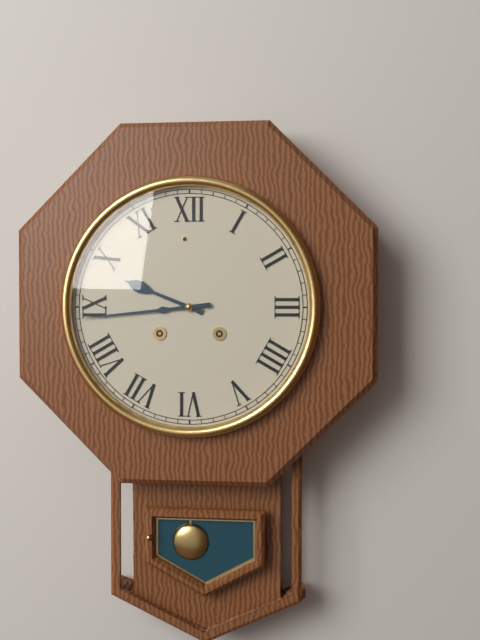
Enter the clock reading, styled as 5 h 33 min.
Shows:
9 h 44 min
